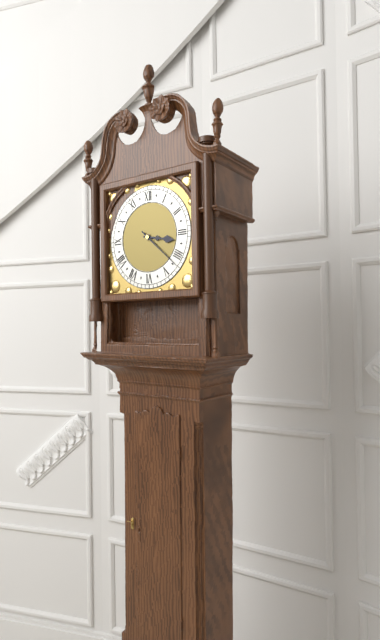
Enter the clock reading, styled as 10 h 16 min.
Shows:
3 h 22 min
